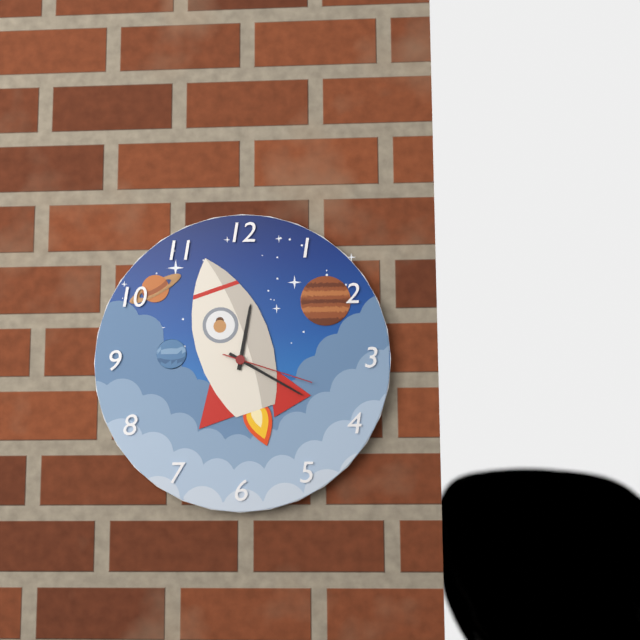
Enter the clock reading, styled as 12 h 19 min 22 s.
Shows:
12 h 20 min 18 s
